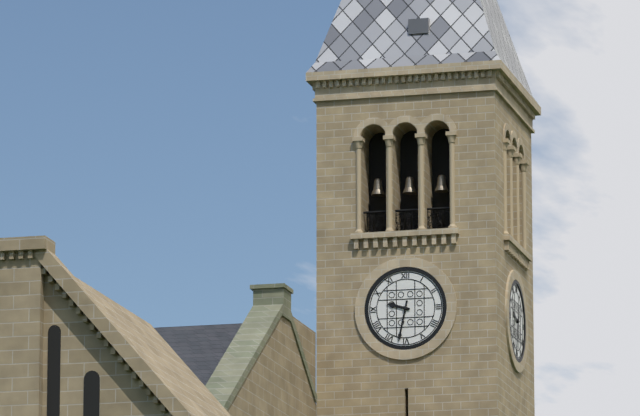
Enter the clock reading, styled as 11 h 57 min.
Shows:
9 h 32 min
